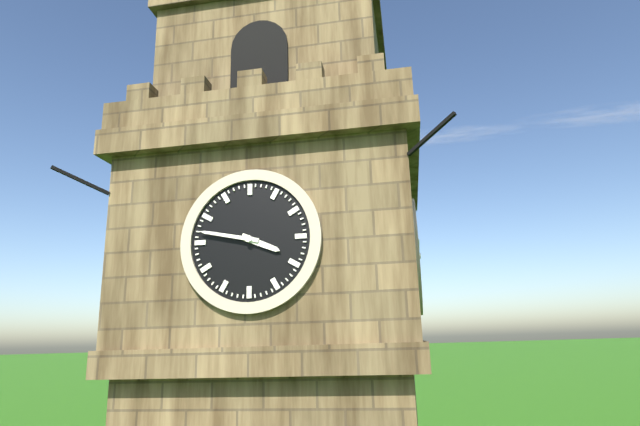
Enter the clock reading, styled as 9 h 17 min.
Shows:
3 h 47 min
